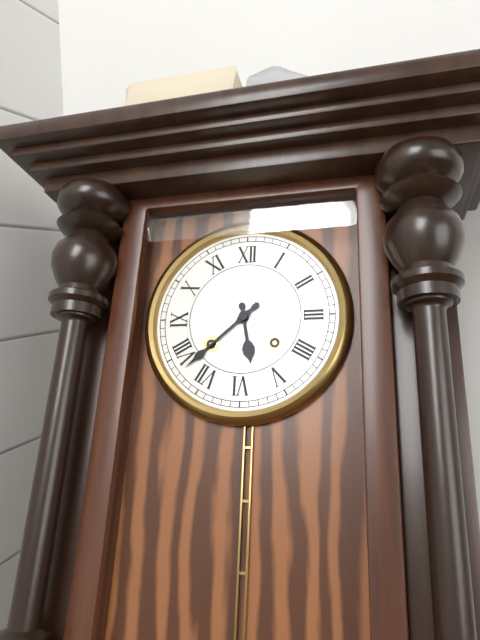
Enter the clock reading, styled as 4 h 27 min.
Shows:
5 h 38 min
